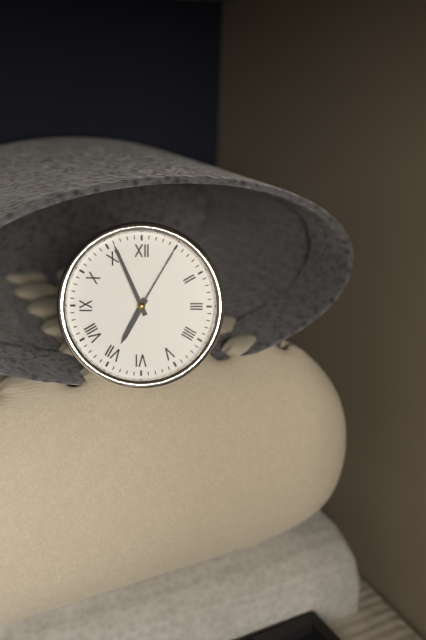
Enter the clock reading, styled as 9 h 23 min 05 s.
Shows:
6 h 56 min 05 s
